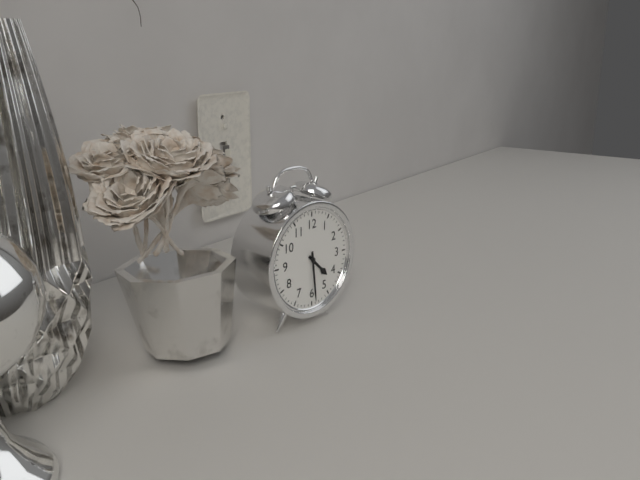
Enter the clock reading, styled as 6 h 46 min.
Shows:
4 h 29 min
